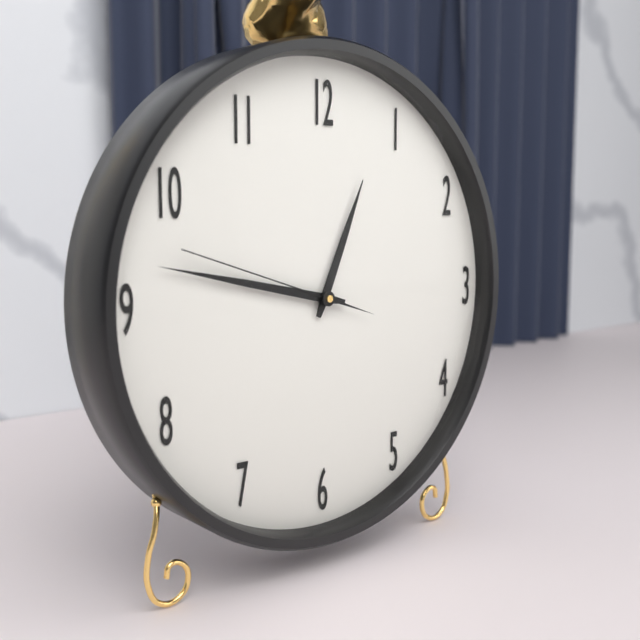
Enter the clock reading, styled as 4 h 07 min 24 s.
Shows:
12 h 47 min 48 s
